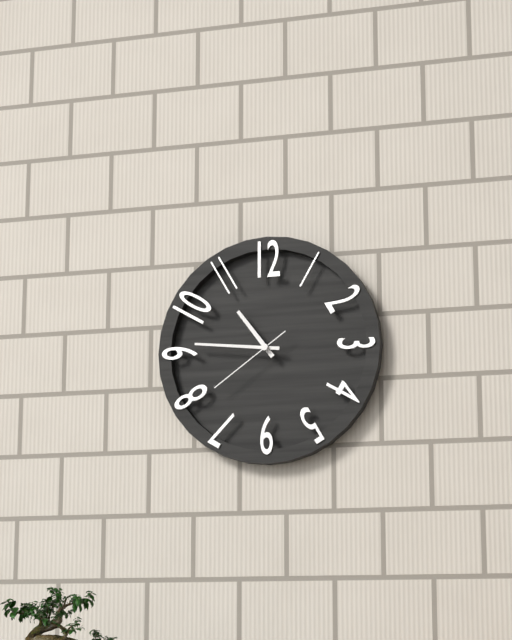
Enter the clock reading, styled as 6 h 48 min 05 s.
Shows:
10 h 46 min 39 s
